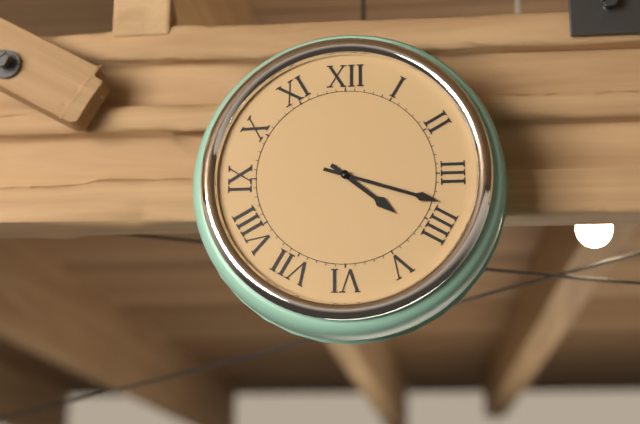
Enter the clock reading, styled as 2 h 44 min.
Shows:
4 h 18 min
